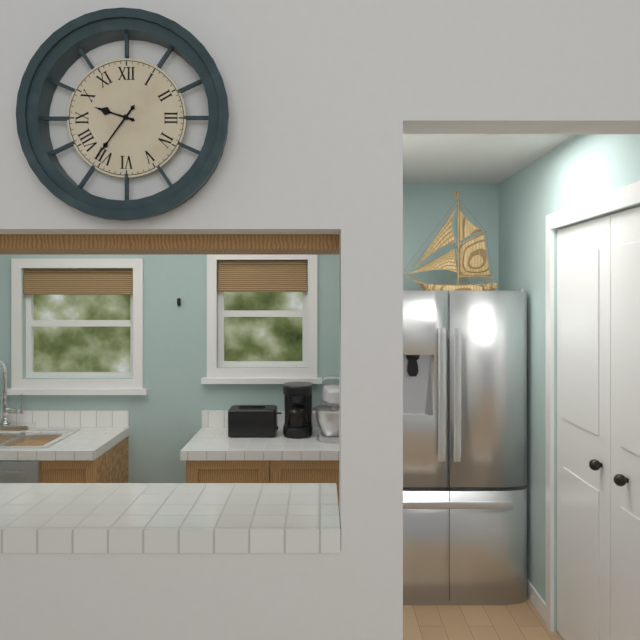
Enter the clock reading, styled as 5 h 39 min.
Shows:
9 h 36 min
